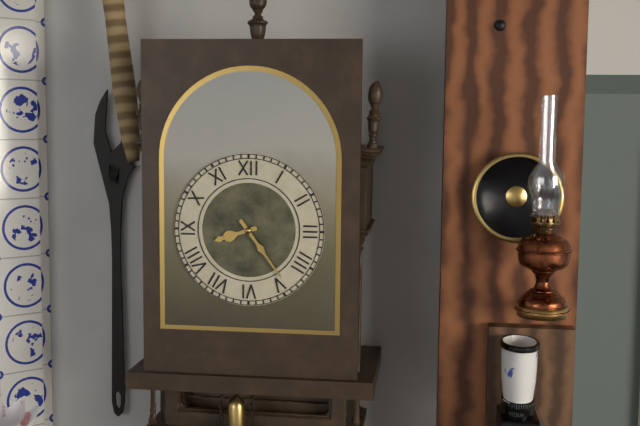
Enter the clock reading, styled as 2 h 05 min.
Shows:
8 h 24 min
